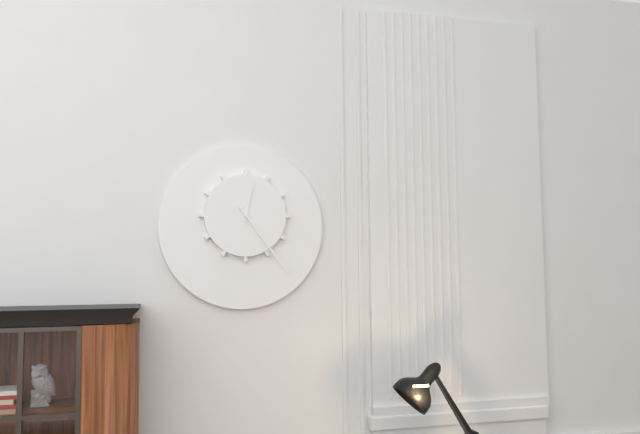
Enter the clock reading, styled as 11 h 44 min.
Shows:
12 h 24 min
